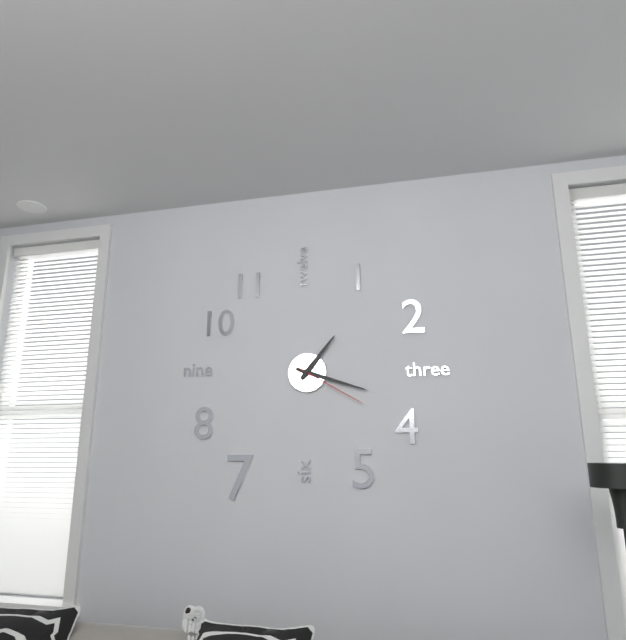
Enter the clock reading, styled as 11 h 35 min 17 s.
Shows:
1 h 18 min 20 s
